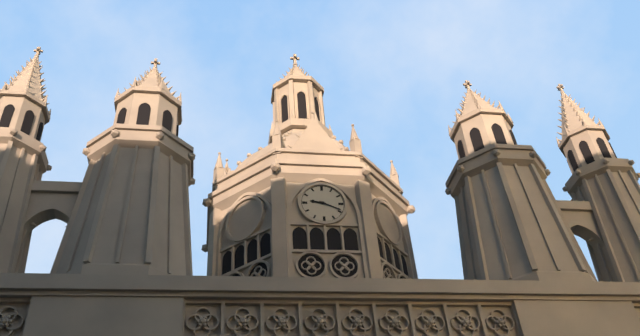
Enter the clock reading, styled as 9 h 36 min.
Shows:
9 h 19 min
